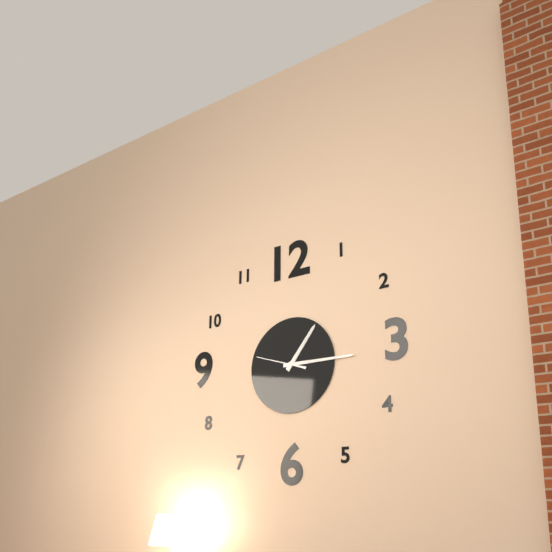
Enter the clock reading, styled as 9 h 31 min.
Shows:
1 h 15 min
